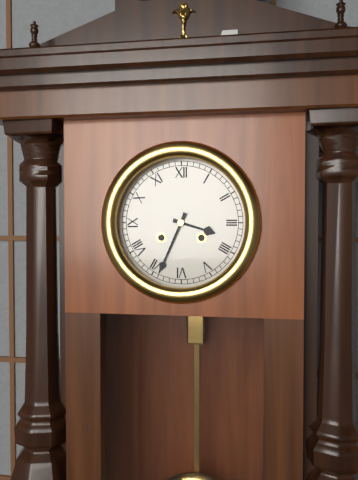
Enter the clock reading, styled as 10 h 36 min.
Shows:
3 h 34 min
